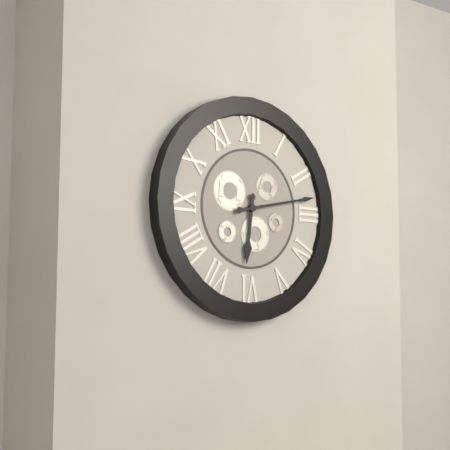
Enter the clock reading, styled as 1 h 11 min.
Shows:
6 h 13 min
